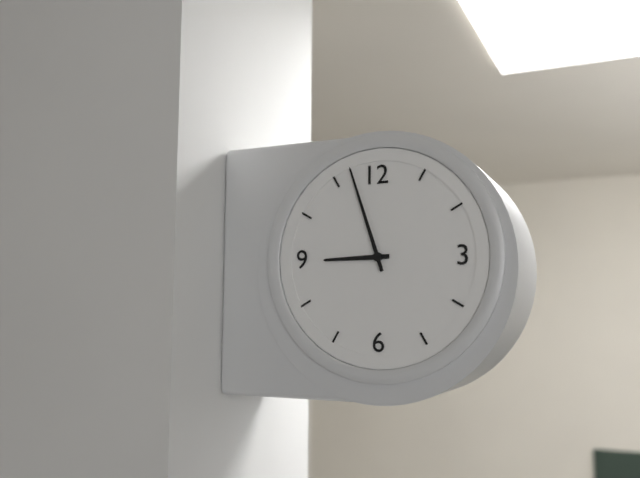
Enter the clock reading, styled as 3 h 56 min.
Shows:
8 h 57 min
